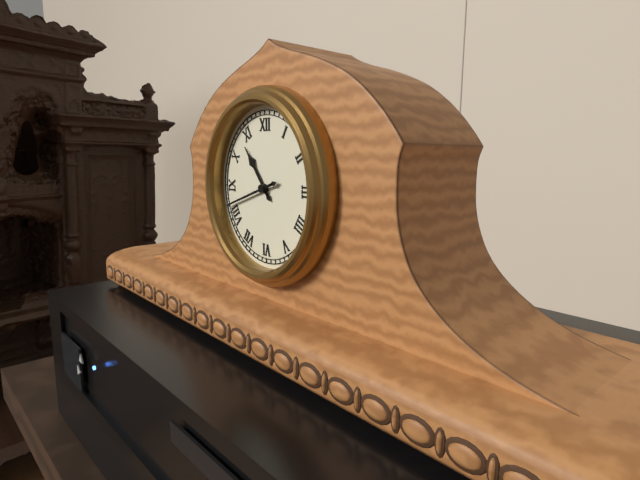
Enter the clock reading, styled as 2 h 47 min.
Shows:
10 h 42 min
